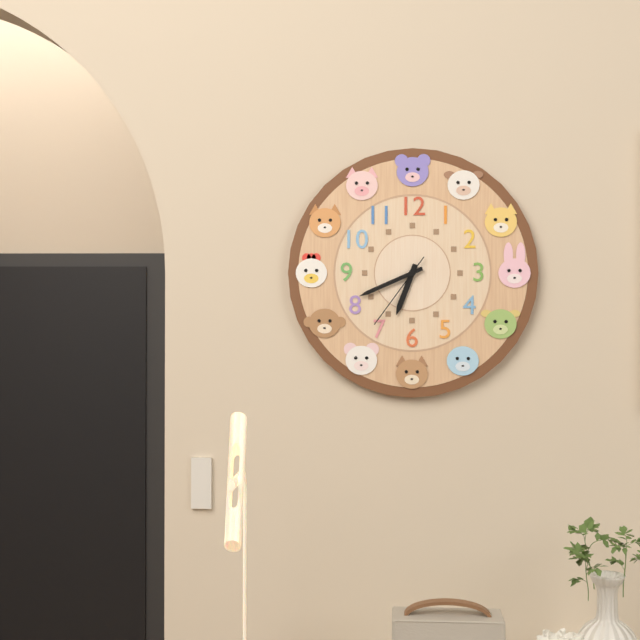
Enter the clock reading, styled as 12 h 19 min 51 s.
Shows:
6 h 41 min 36 s
